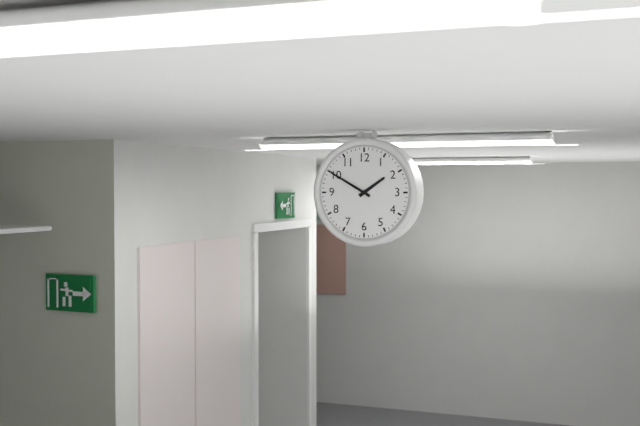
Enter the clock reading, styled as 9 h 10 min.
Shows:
1 h 50 min
